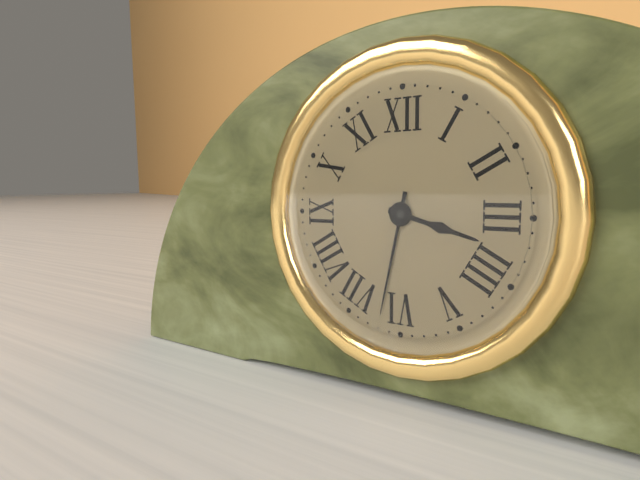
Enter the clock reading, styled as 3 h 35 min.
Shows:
3 h 32 min
